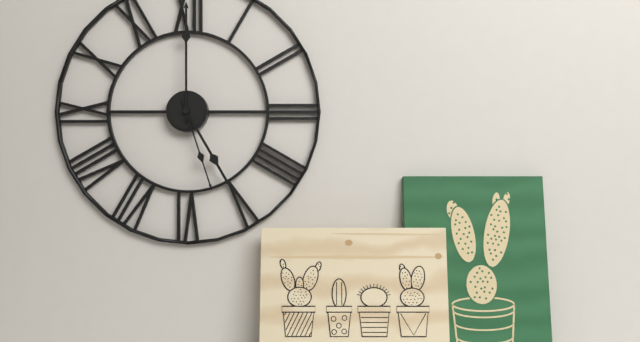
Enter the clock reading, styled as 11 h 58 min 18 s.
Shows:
5 h 00 min 27 s
